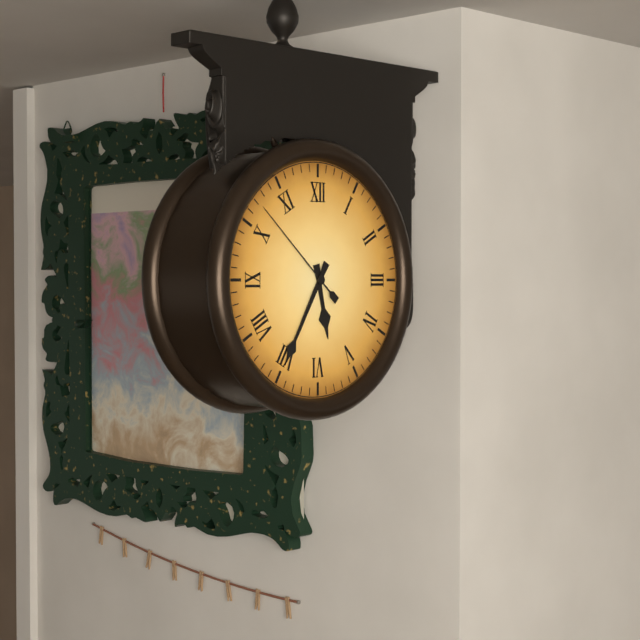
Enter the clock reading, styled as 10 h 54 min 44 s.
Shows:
5 h 35 min 52 s
